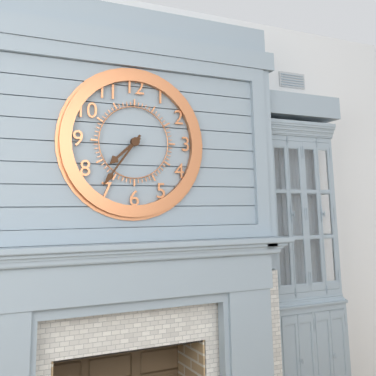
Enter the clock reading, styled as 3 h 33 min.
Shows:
7 h 36 min
